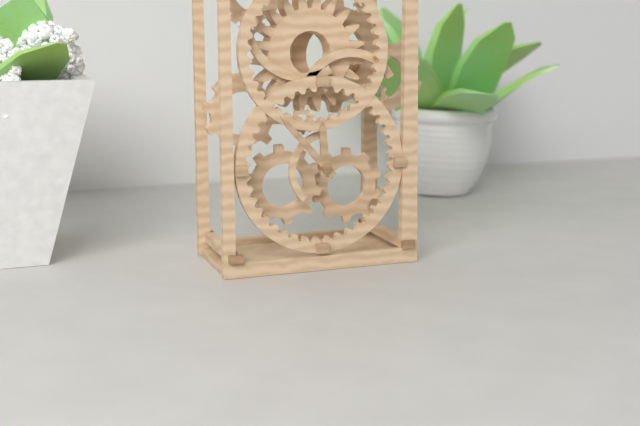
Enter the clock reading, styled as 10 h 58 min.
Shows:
11 h 53 min
